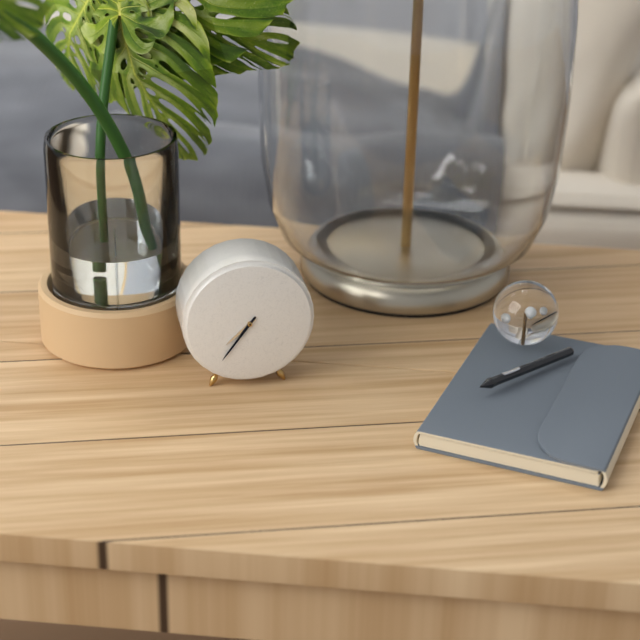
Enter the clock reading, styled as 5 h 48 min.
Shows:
7 h 36 min
